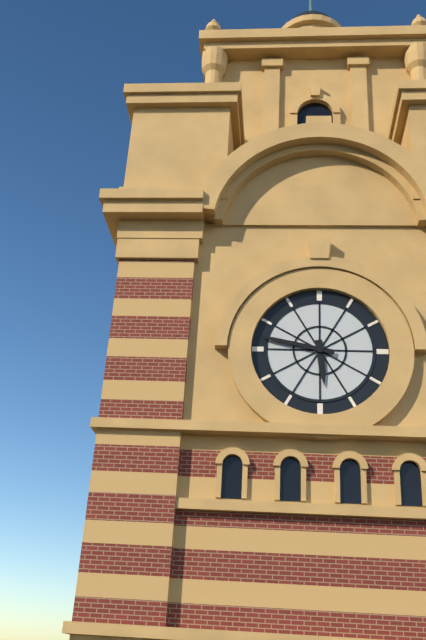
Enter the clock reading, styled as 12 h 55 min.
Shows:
5 h 47 min
